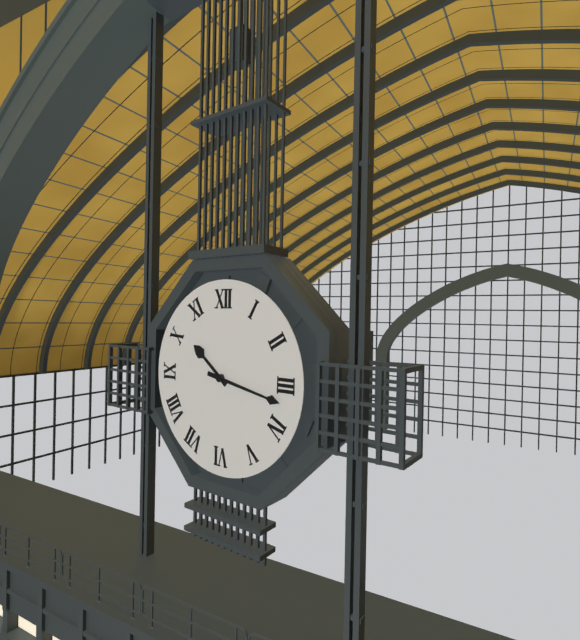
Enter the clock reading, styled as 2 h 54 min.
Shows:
10 h 17 min
